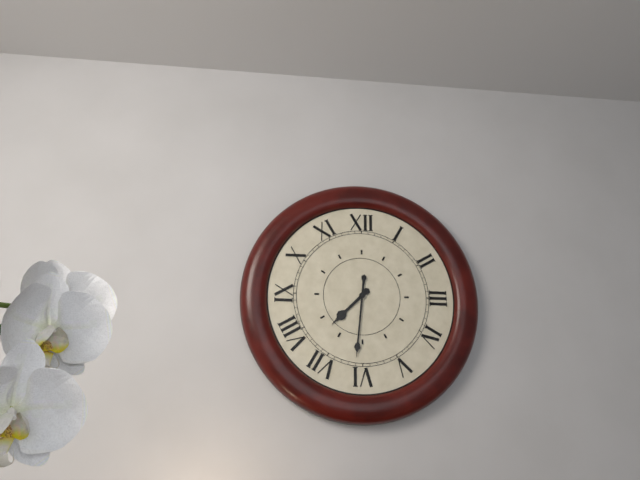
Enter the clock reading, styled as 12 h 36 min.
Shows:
7 h 31 min
